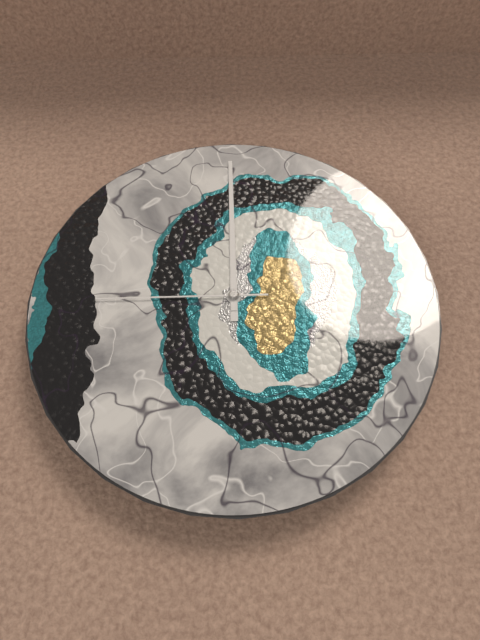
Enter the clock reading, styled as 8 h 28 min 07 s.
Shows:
12 h 00 min 45 s
